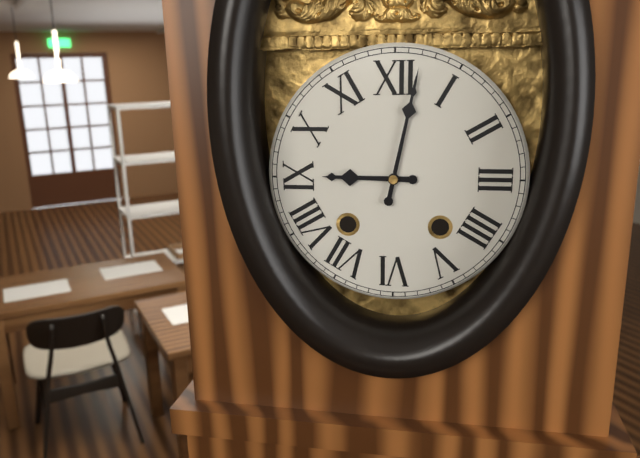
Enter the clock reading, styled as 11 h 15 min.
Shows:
9 h 02 min
